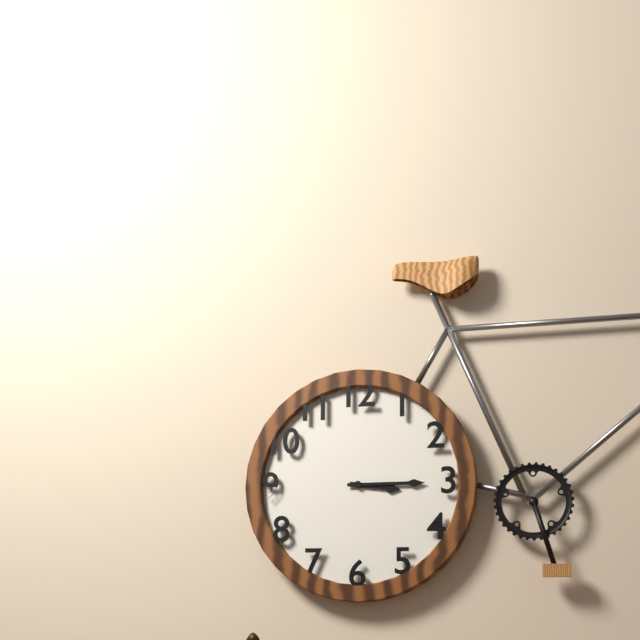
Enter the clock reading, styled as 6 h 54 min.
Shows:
3 h 15 min
